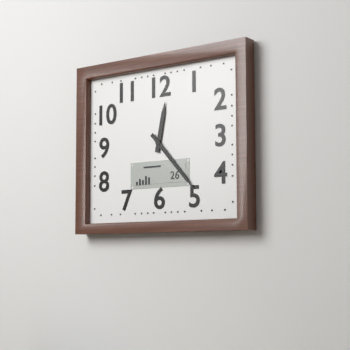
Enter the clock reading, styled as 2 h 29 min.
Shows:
12 h 23 min
